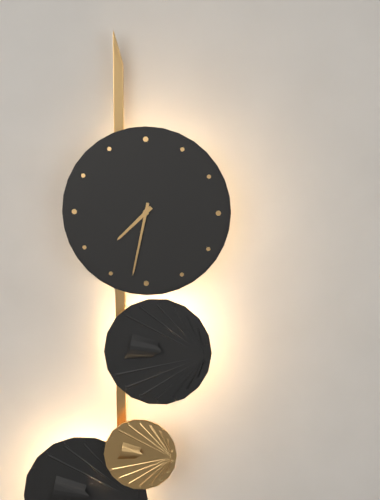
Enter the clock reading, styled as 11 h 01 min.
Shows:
7 h 32 min
